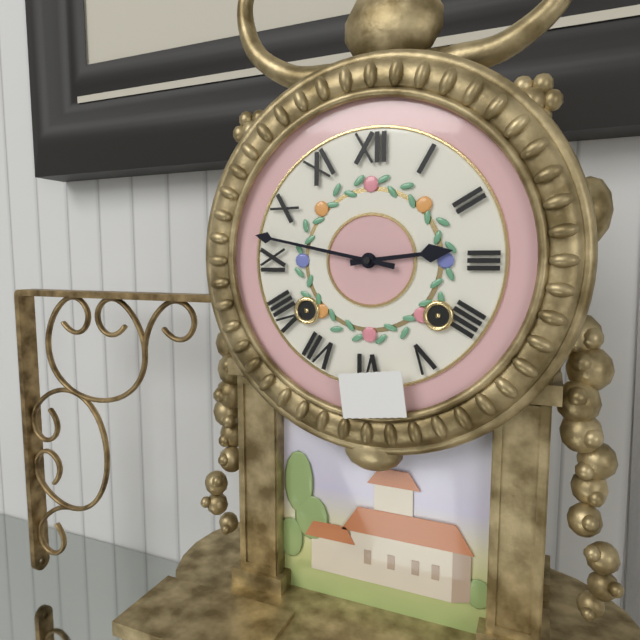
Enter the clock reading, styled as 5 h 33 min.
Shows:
2 h 47 min
